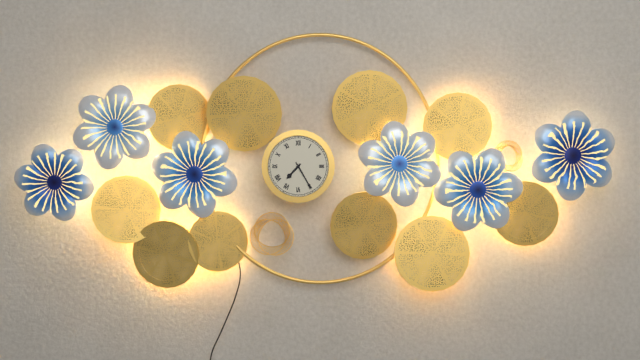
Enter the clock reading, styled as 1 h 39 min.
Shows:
7 h 25 min
